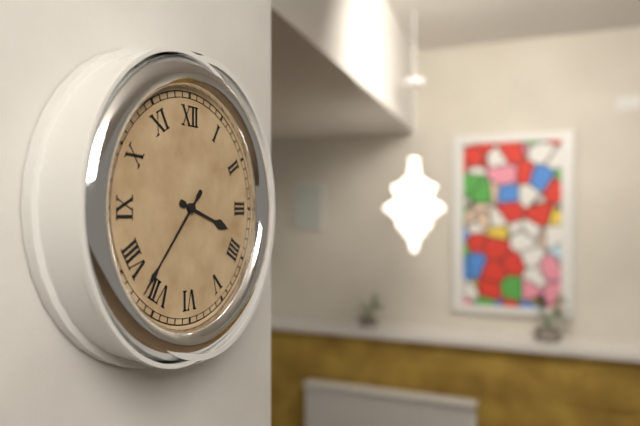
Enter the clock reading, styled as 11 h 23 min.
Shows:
3 h 37 min
